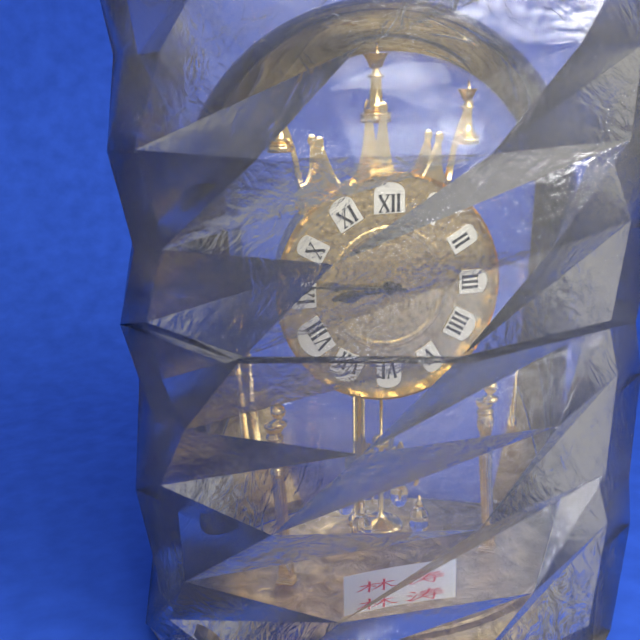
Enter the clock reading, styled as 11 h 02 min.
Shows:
8 h 46 min
